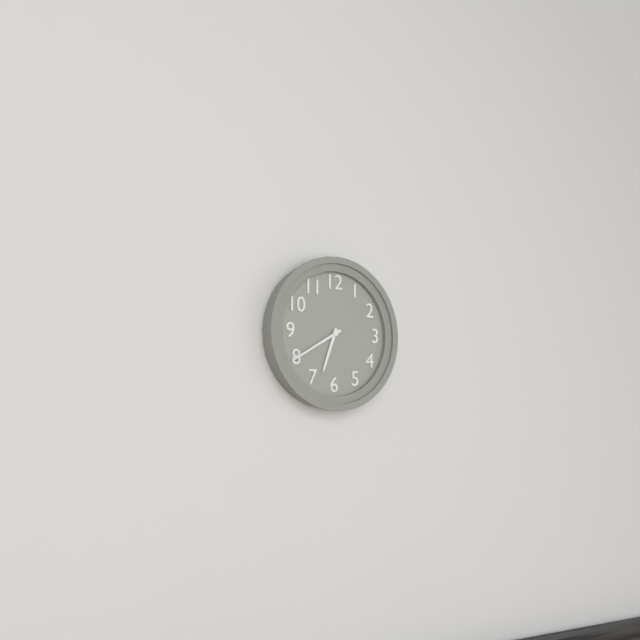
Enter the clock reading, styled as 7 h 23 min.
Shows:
6 h 40 min
